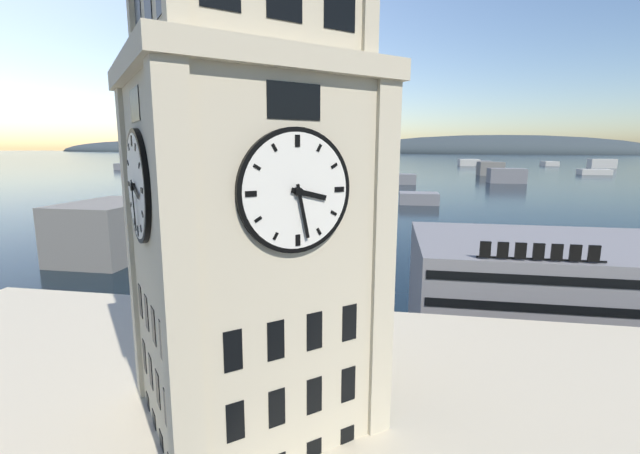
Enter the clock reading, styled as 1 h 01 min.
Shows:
3 h 28 min
